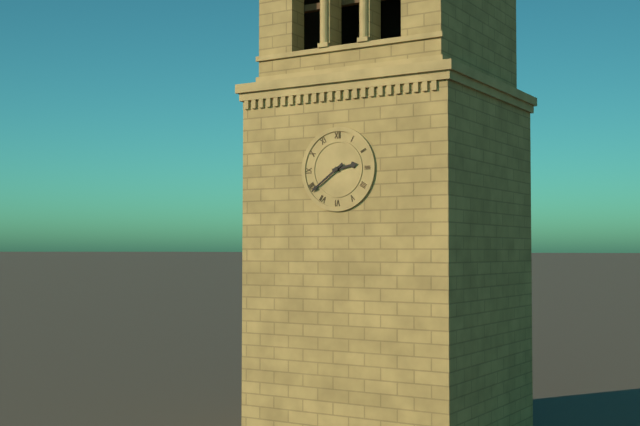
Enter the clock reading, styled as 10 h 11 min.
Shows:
2 h 39 min
